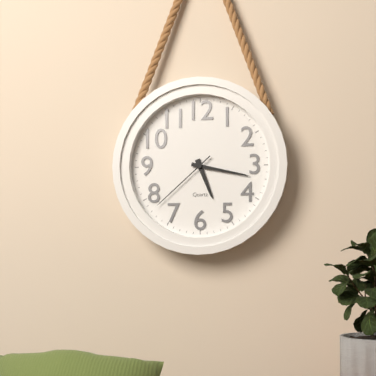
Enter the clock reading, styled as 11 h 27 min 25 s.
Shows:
5 h 17 min 38 s
